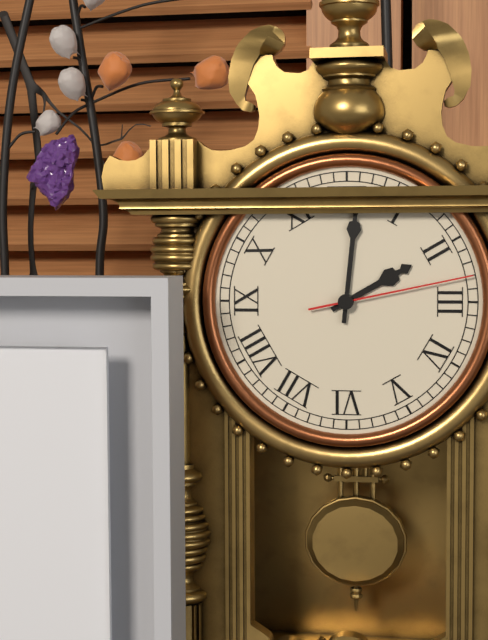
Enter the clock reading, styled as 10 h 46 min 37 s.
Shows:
2 h 01 min 13 s
